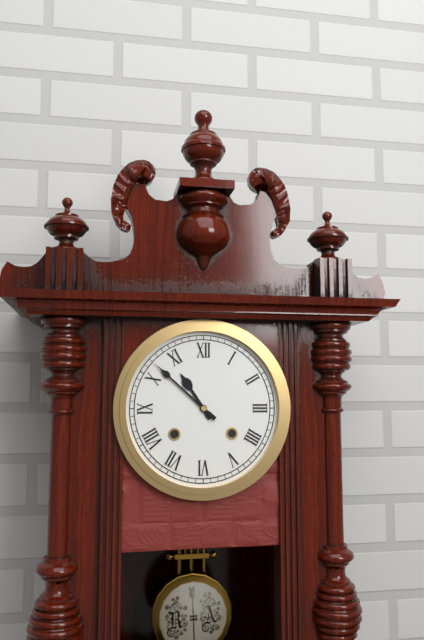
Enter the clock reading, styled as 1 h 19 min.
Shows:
10 h 52 min
